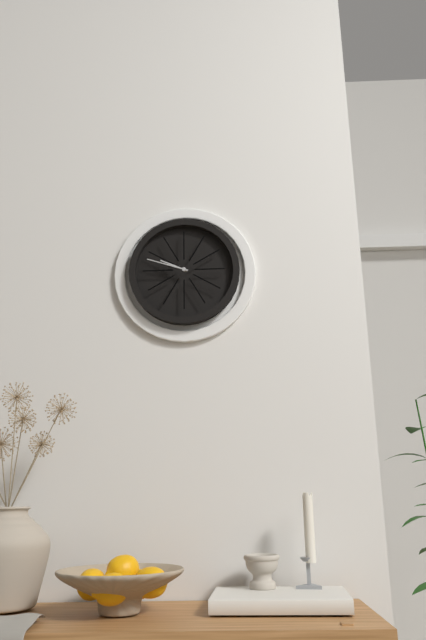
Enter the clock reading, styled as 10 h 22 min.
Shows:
9 h 48 min
